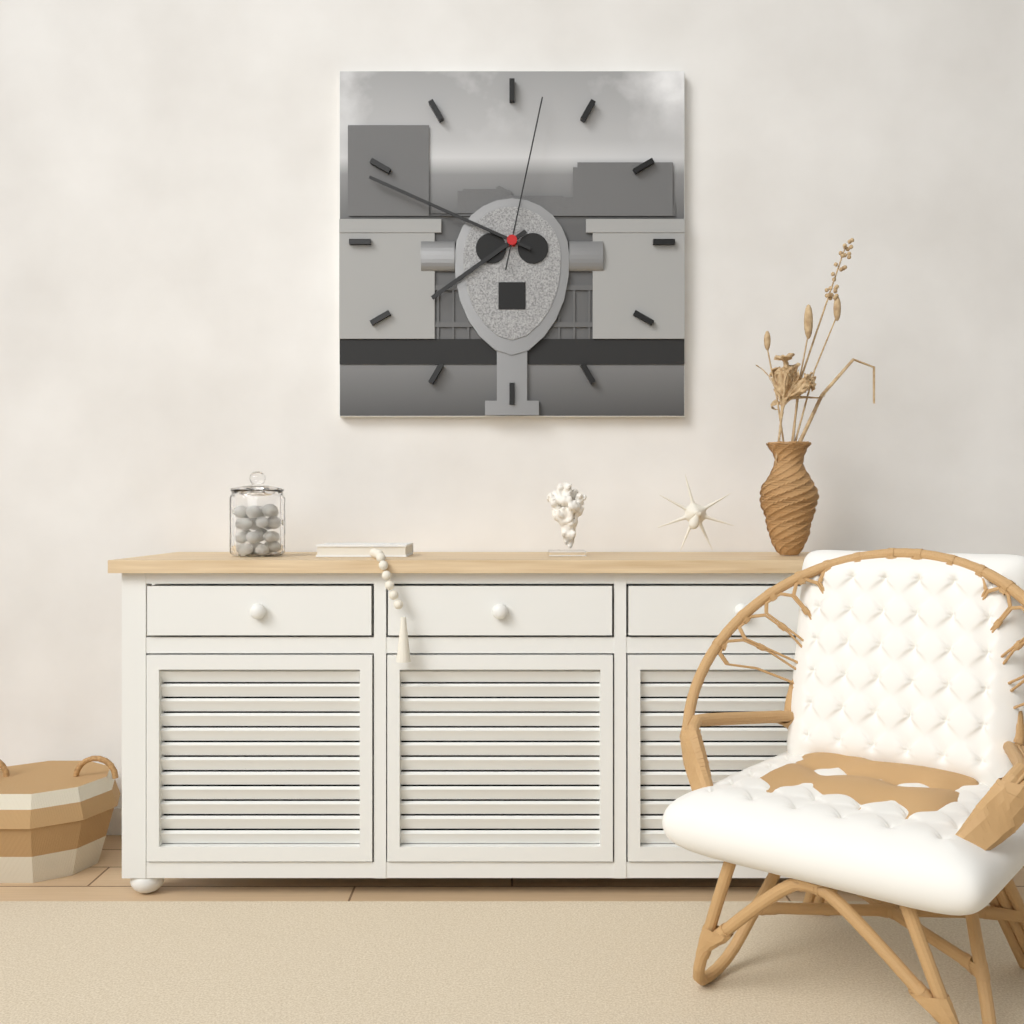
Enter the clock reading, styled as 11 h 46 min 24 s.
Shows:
7 h 49 min 02 s
